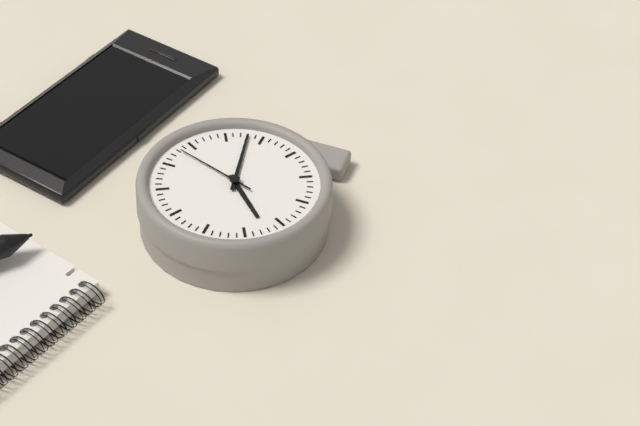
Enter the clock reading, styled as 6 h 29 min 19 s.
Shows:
10 h 28 min 18 s
